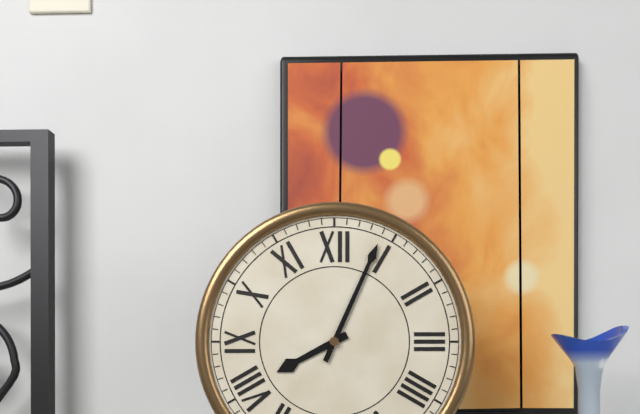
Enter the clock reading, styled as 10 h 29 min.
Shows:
8 h 04 min
